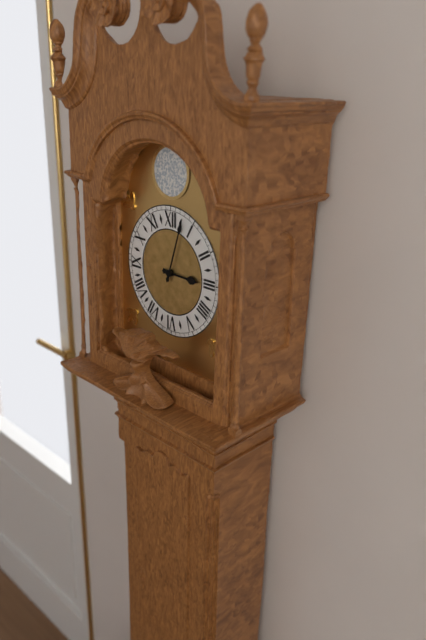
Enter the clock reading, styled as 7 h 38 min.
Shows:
3 h 03 min
